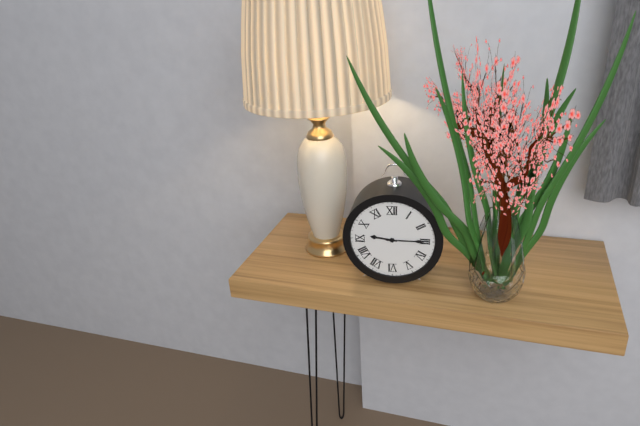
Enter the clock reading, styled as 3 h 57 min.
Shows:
9 h 15 min
